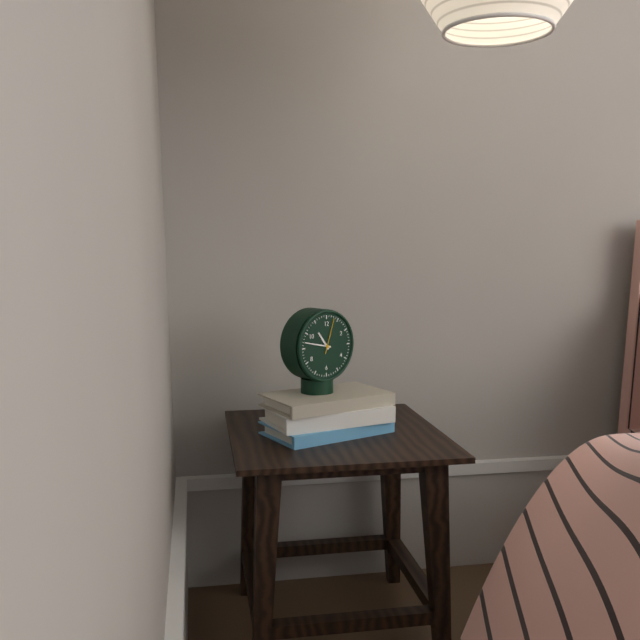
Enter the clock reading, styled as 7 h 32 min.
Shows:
10 h 47 min
